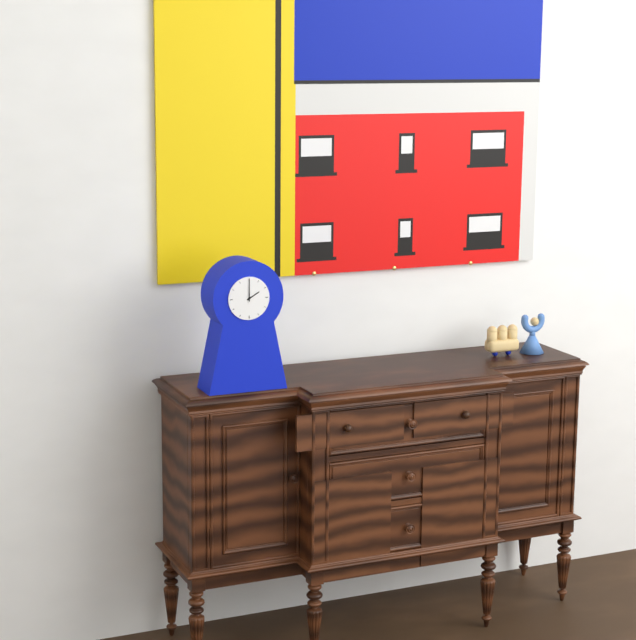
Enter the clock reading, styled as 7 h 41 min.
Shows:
2 h 00 min
